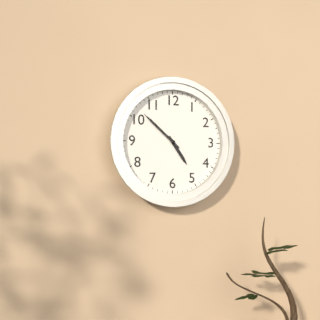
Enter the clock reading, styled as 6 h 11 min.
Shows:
4 h 52 min
